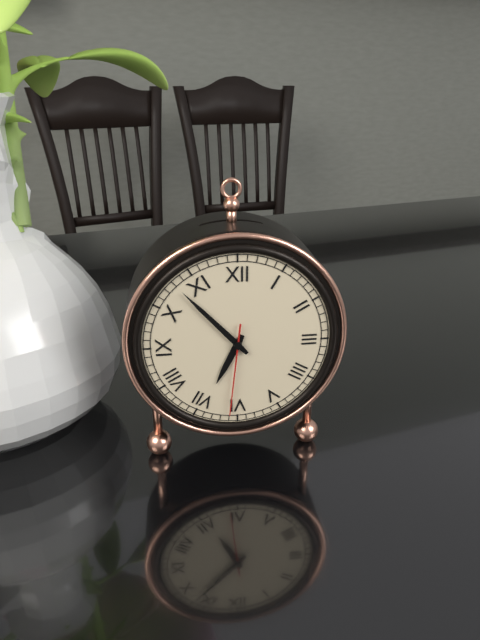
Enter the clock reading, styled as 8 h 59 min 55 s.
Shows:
6 h 53 min 31 s
